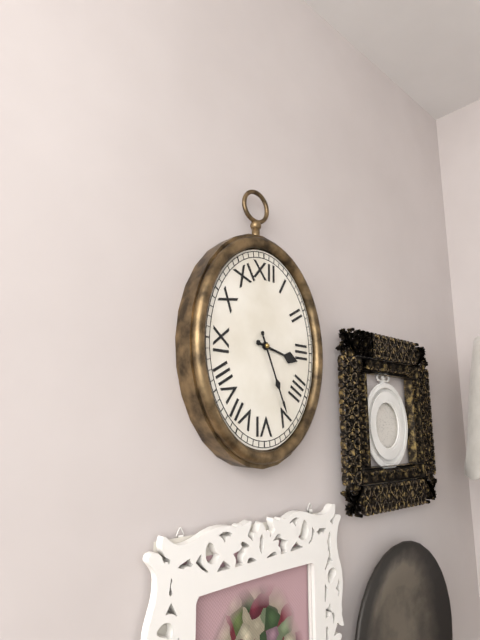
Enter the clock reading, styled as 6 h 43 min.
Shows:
3 h 26 min
